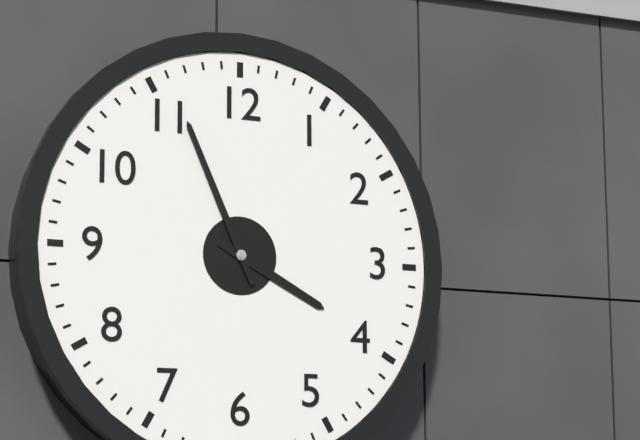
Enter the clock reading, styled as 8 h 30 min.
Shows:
3 h 56 min
